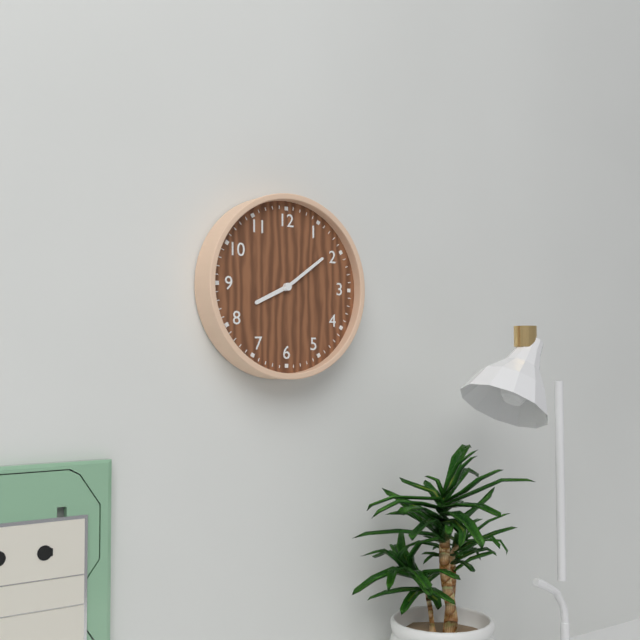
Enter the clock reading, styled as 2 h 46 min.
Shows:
8 h 09 min
